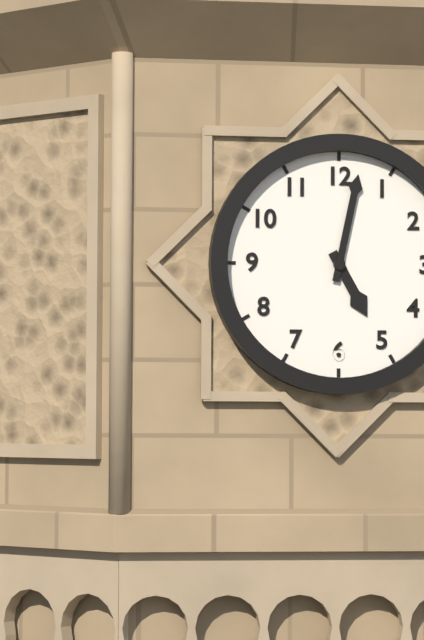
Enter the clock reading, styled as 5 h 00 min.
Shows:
5 h 02 min
